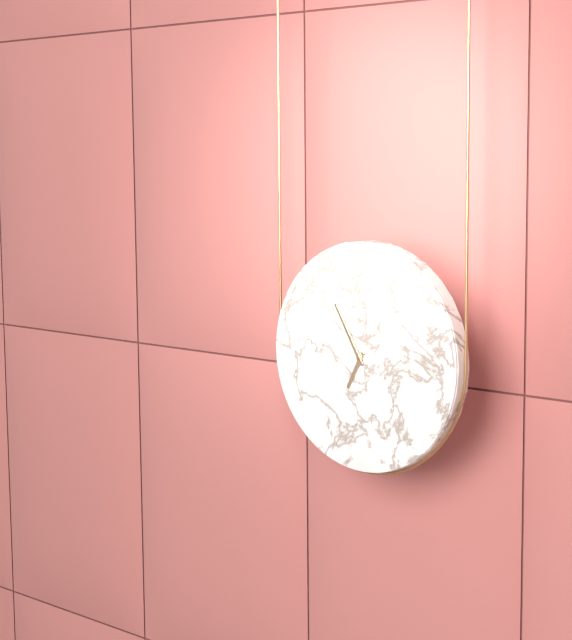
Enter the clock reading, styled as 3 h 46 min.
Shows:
6 h 55 min
